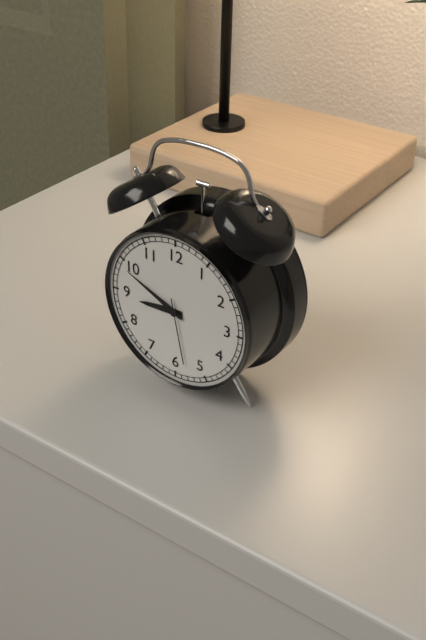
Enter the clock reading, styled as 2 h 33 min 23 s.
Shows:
8 h 49 min 28 s
